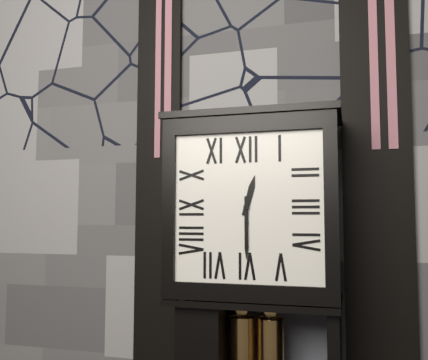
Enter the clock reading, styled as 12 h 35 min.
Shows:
12 h 30 min
